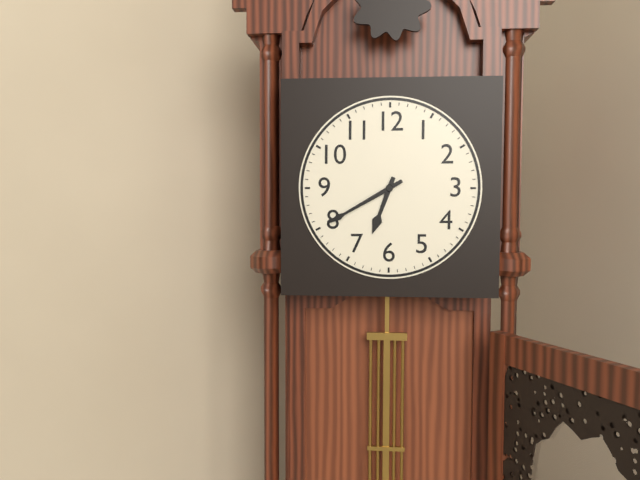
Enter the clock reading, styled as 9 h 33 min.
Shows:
6 h 40 min
